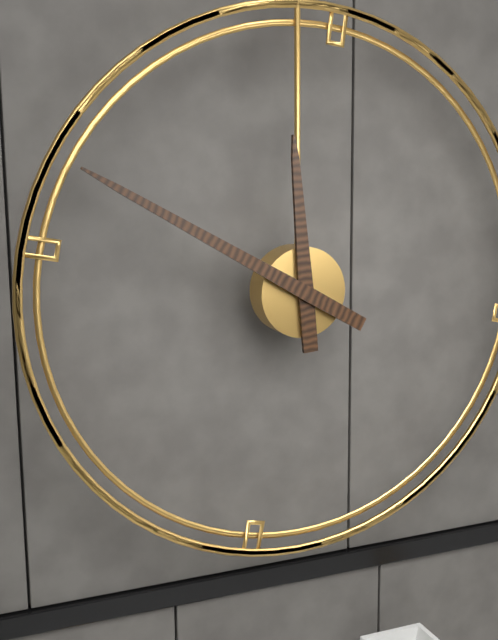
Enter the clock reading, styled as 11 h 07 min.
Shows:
11 h 50 min
